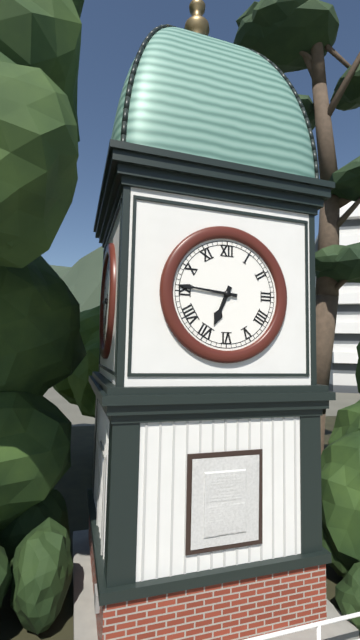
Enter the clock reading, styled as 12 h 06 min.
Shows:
6 h 46 min
